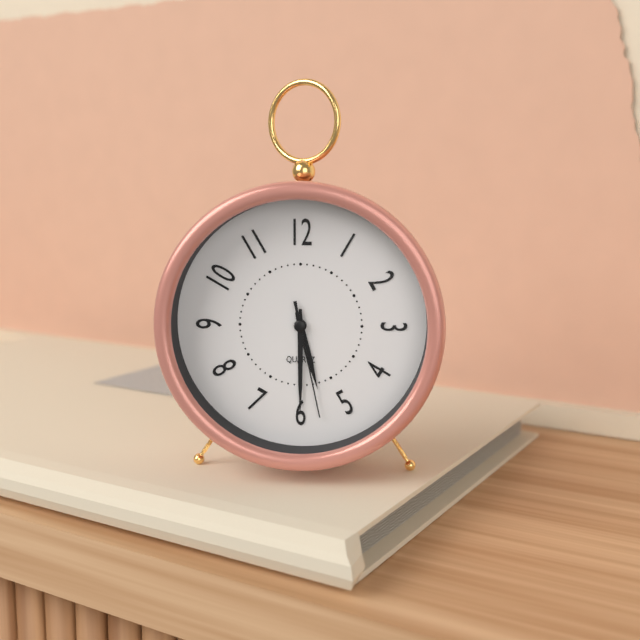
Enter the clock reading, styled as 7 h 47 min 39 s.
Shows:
5 h 30 min 28 s
